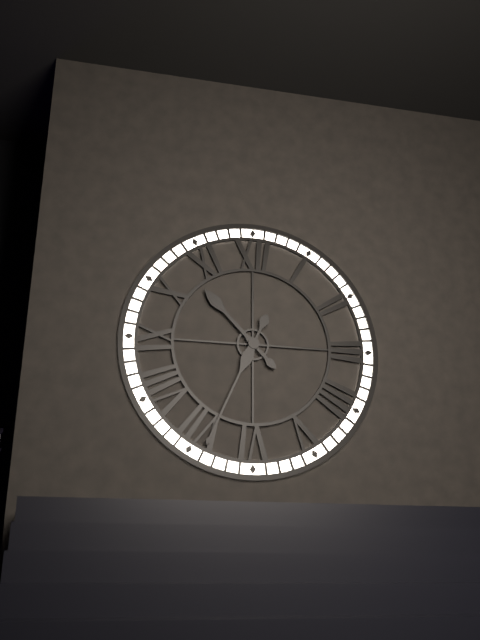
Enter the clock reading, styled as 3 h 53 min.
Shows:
10 h 34 min
